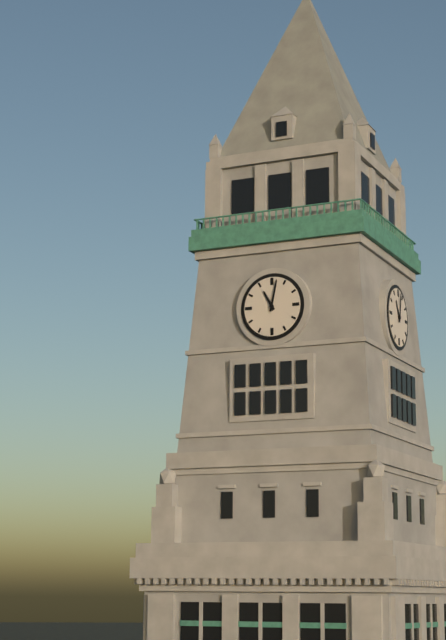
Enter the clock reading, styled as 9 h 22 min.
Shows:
11 h 02 min
